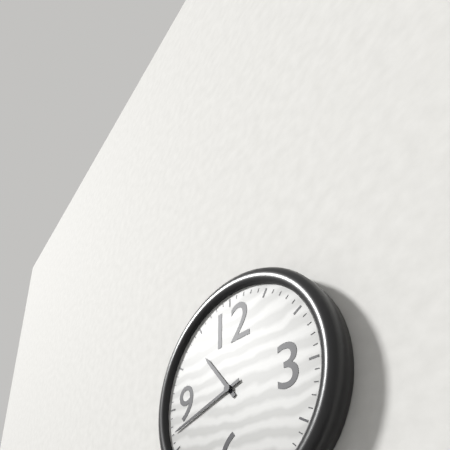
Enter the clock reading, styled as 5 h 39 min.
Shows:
10 h 42 min
